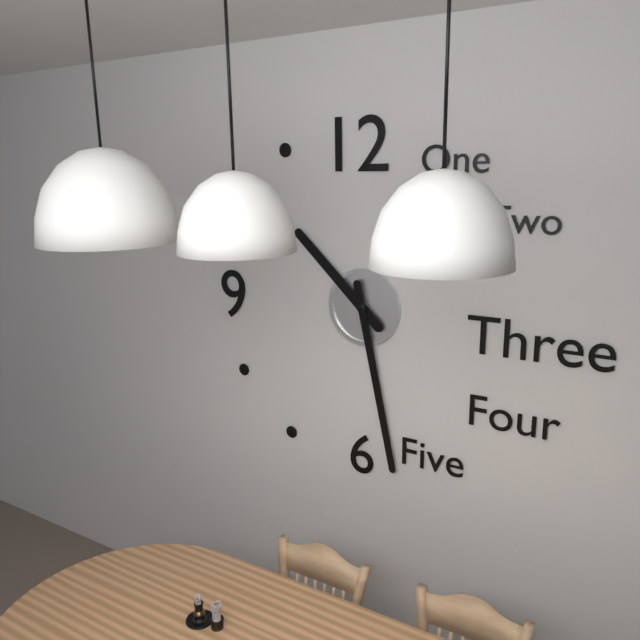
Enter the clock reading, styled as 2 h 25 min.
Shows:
10 h 28 min
